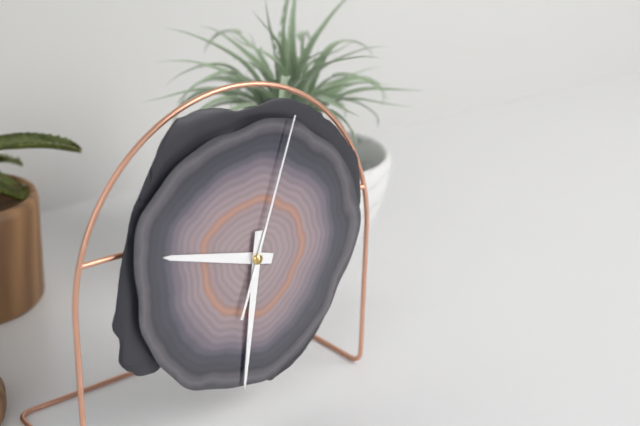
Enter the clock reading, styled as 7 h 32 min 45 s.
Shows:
9 h 31 min 03 s
